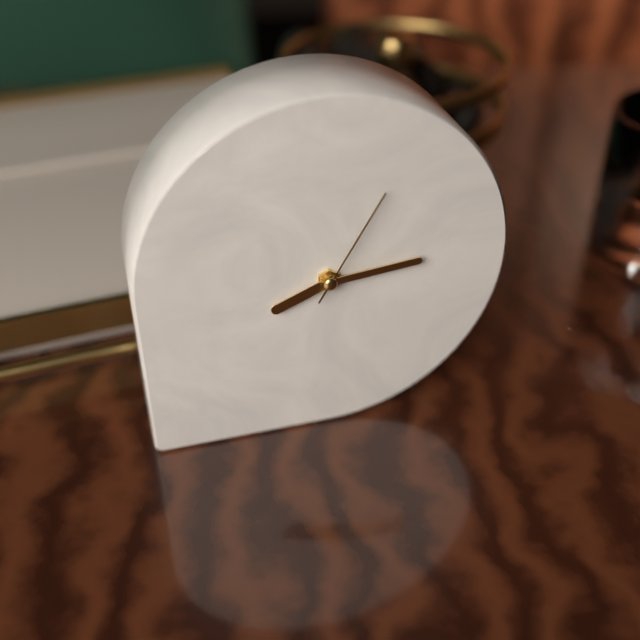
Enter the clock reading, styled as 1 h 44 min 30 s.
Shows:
8 h 14 min 05 s
